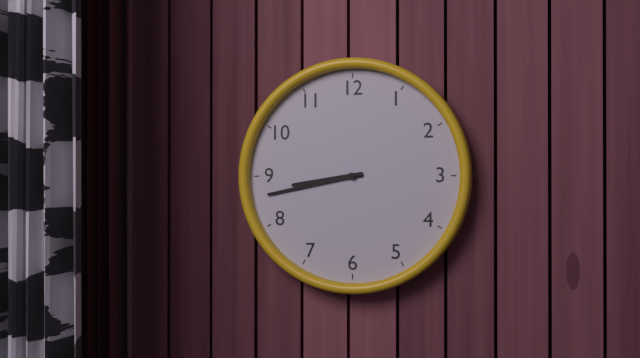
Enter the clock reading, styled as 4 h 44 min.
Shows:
8 h 43 min
